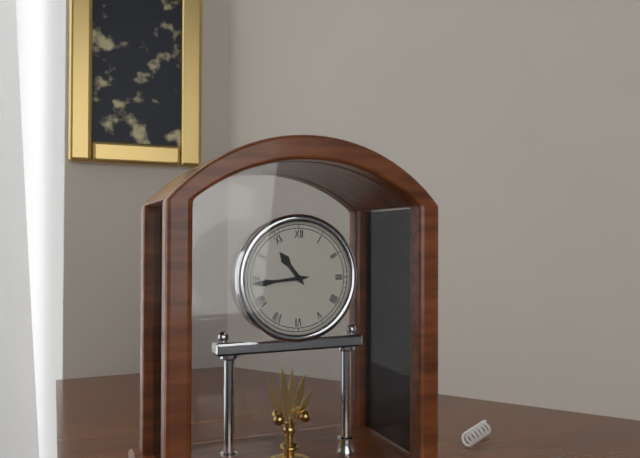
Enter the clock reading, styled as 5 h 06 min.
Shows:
10 h 44 min
